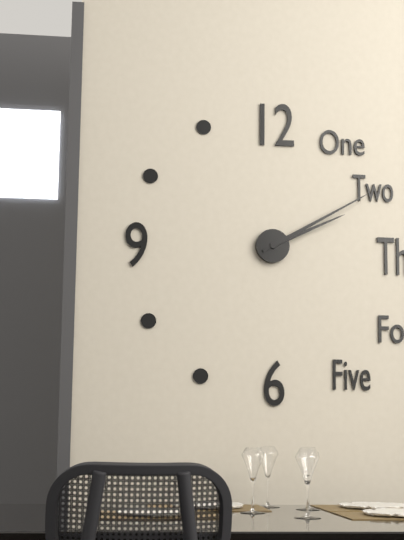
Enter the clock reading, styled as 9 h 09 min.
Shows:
2 h 10 min
